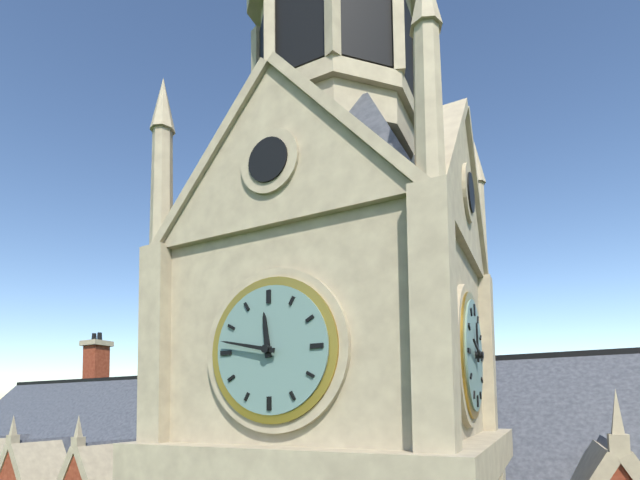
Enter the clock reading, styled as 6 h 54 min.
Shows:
11 h 47 min
